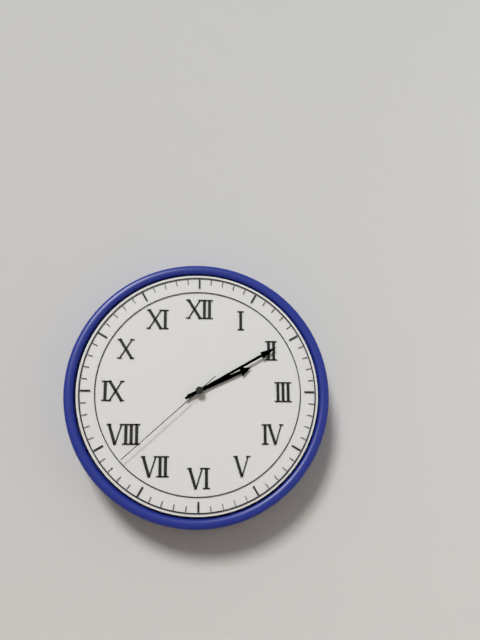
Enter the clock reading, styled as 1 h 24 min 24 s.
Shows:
2 h 10 min 38 s
